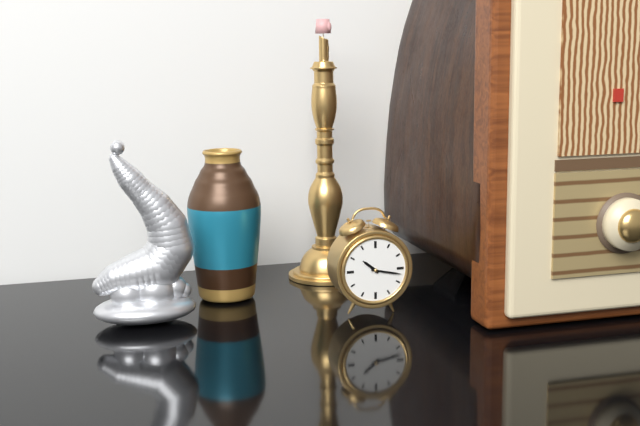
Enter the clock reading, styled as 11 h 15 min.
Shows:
10 h 17 min
